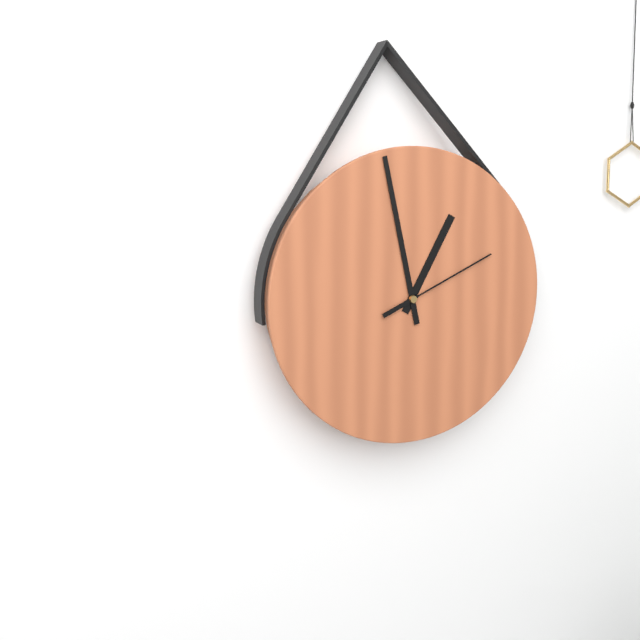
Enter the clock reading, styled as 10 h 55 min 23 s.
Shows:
12 h 58 min 11 s
